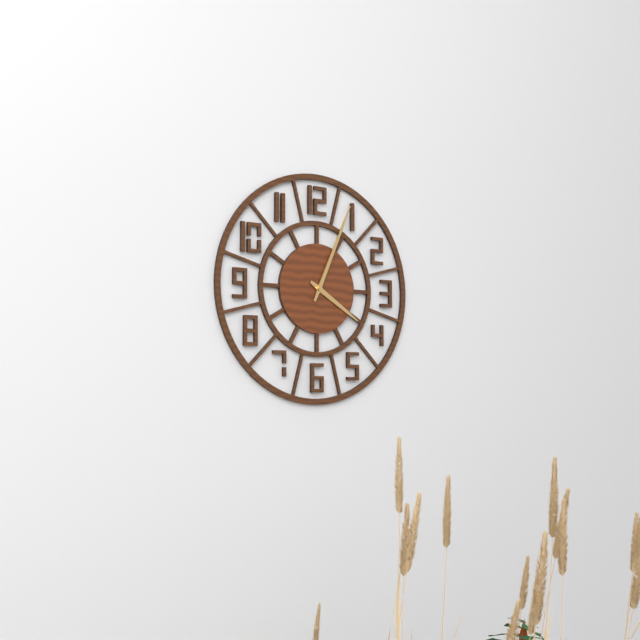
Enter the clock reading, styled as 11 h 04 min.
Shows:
4 h 04 min
